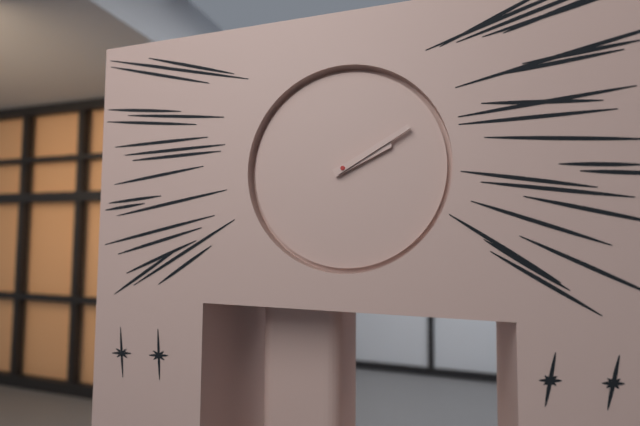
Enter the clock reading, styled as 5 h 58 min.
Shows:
2 h 10 min
